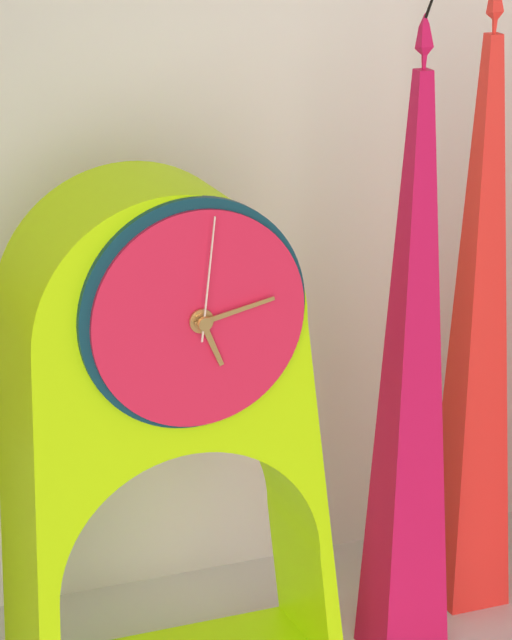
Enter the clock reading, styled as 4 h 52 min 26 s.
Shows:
5 h 13 min 01 s
